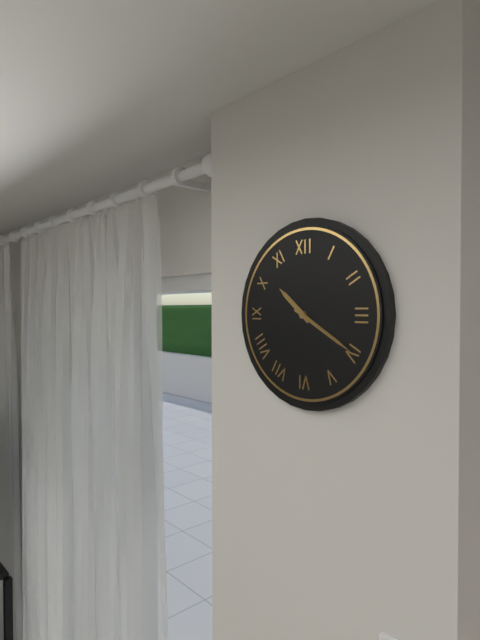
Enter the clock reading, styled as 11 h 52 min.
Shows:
10 h 20 min
